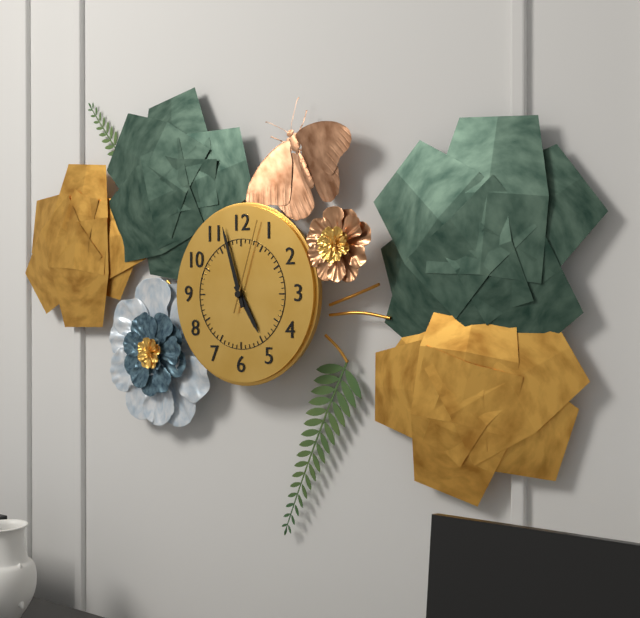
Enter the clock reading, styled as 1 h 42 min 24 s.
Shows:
4 h 57 min 03 s
